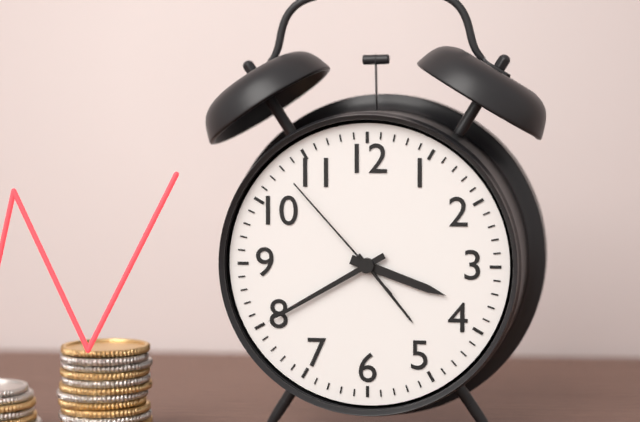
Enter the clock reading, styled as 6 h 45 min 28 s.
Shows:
3 h 40 min 53 s
